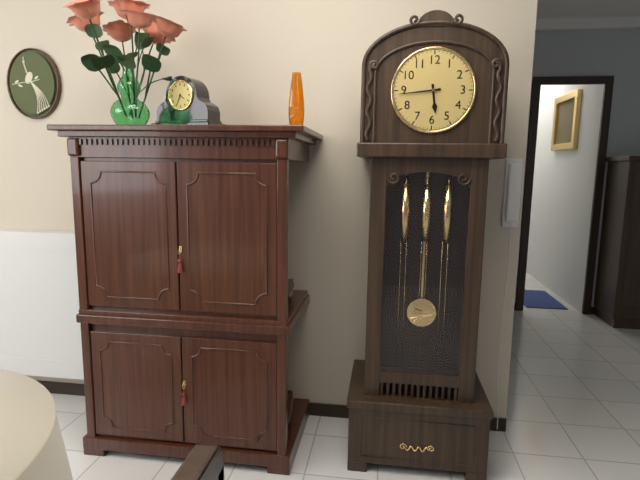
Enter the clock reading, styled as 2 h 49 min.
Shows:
5 h 44 min
